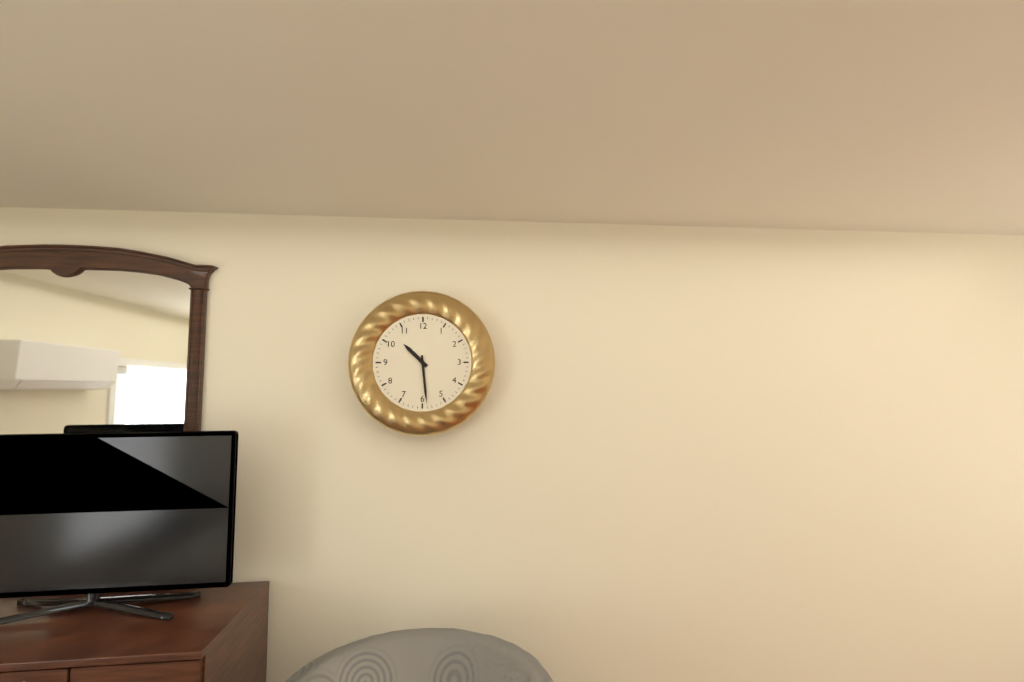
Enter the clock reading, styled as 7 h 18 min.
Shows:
10 h 29 min
